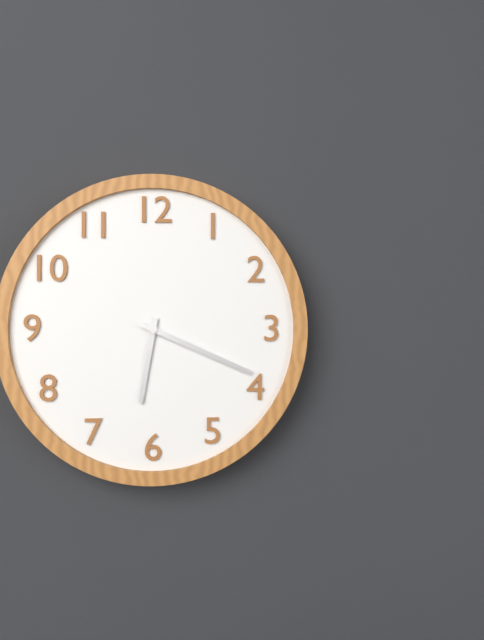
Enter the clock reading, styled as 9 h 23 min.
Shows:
6 h 19 min
